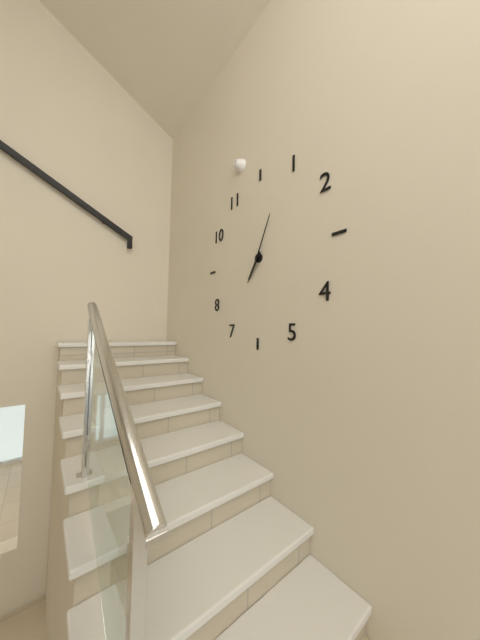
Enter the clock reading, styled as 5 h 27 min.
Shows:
7 h 04 min
